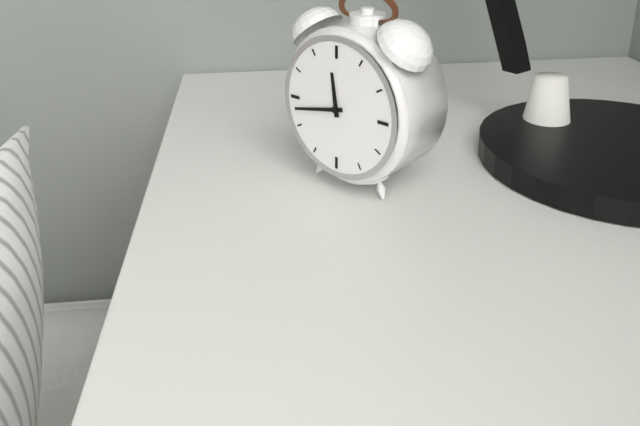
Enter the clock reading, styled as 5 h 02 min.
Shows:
11 h 43 min
